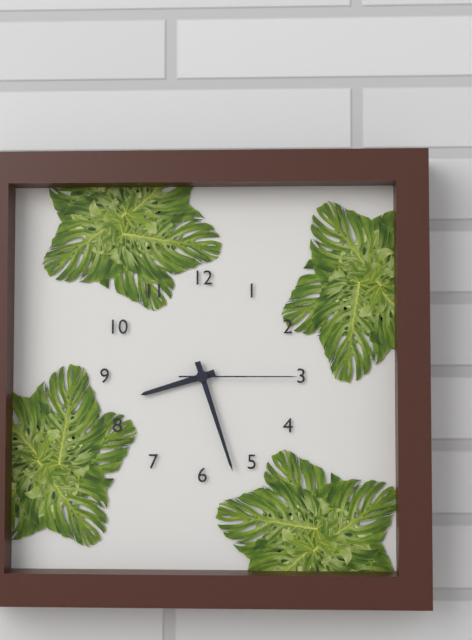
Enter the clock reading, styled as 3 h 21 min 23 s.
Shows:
8 h 27 min 15 s
